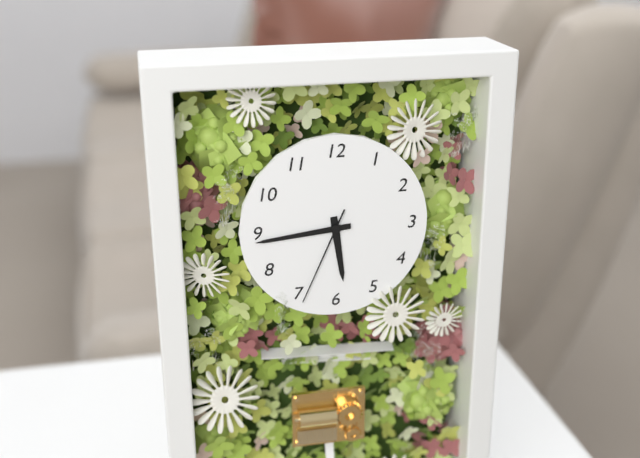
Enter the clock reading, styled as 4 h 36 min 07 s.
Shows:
5 h 44 min 34 s
